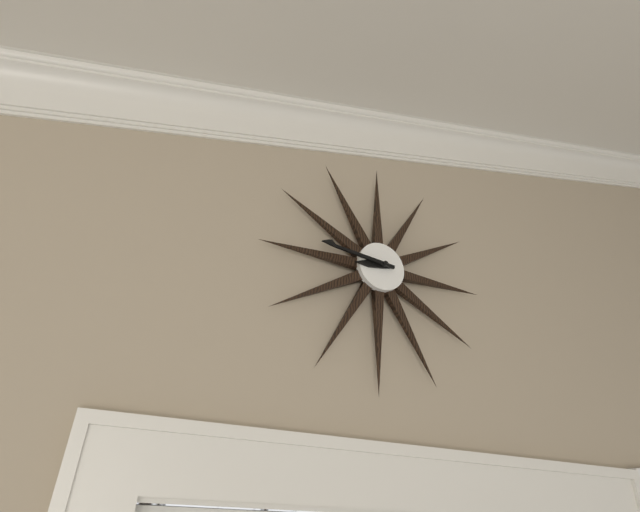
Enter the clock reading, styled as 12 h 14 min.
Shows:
8 h 46 min
